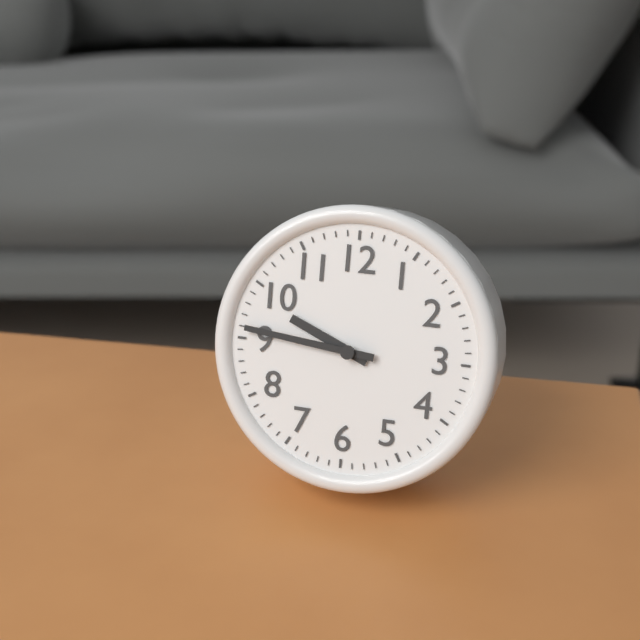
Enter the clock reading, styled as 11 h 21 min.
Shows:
9 h 46 min
